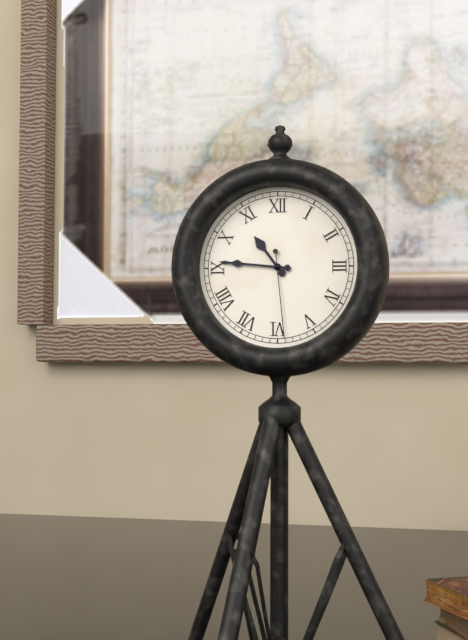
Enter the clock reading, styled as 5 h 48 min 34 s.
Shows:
10 h 46 min 29 s
